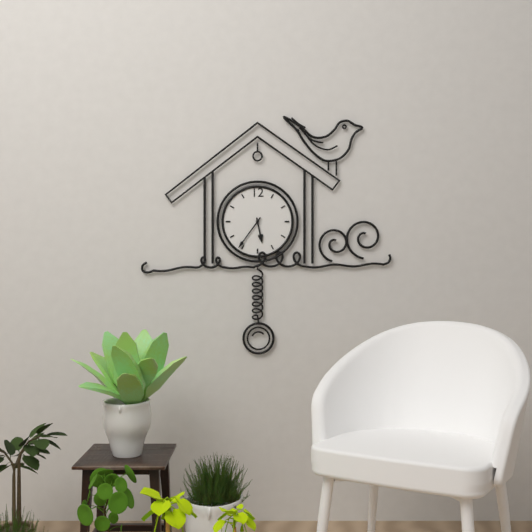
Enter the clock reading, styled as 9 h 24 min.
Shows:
5 h 36 min
